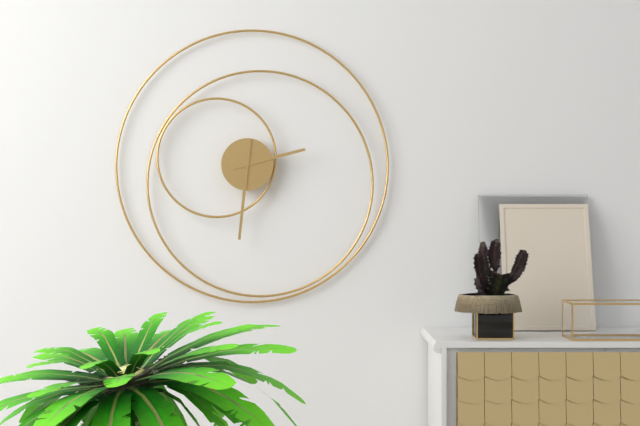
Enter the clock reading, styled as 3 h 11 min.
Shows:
2 h 31 min
